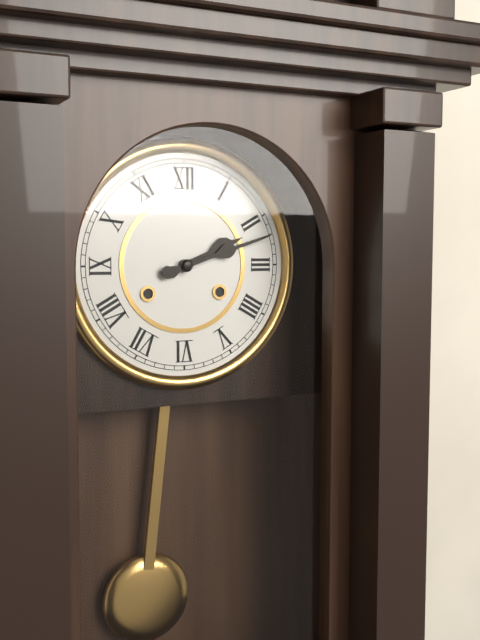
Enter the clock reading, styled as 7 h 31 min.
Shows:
2 h 12 min
